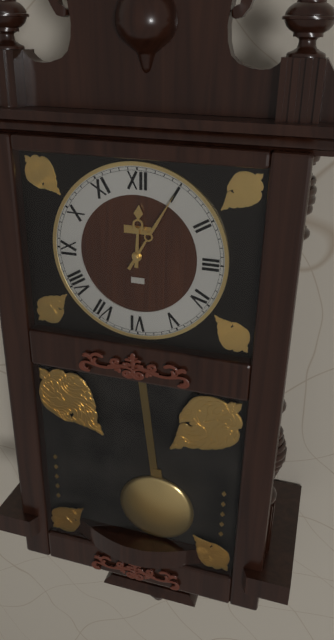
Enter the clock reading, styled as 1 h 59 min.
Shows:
12 h 05 min
